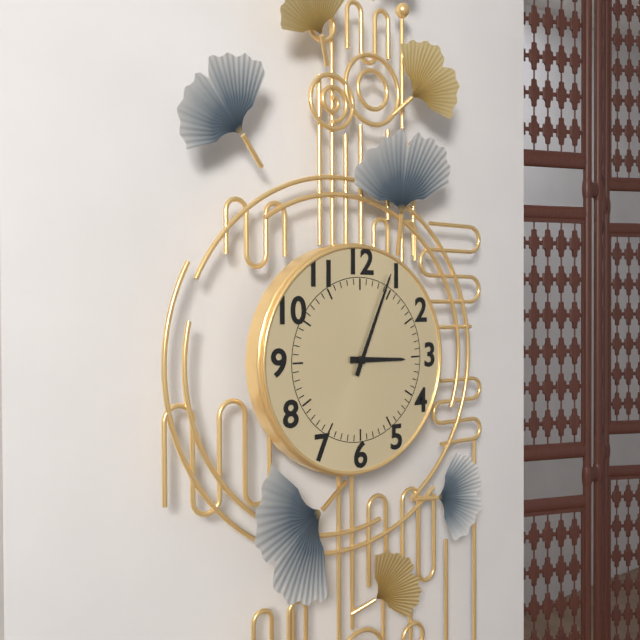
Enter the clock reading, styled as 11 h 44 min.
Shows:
3 h 04 min
